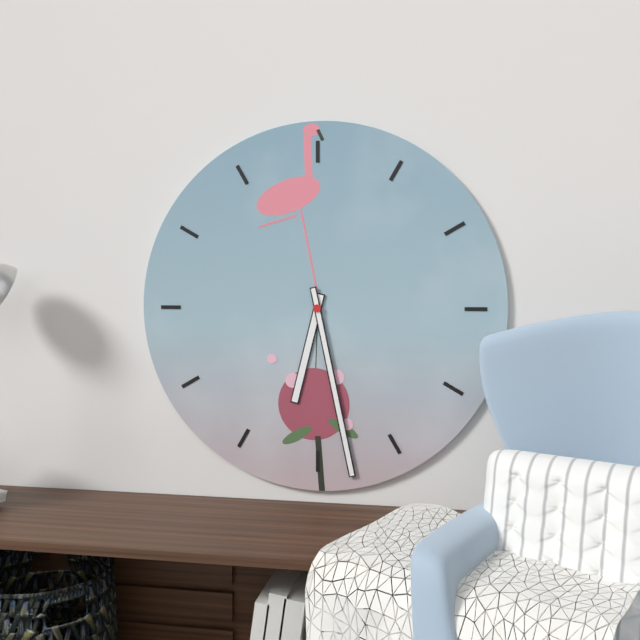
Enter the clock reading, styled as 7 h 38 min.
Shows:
6 h 28 min
